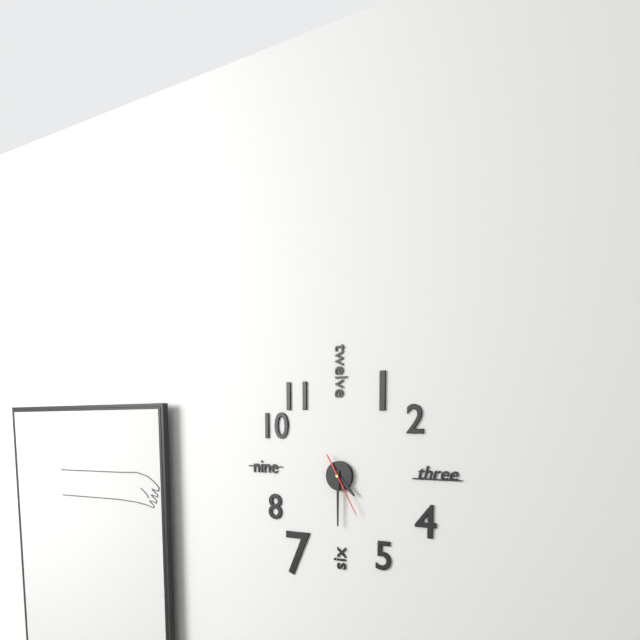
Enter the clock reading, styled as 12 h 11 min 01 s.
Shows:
4 h 30 min 25 s
